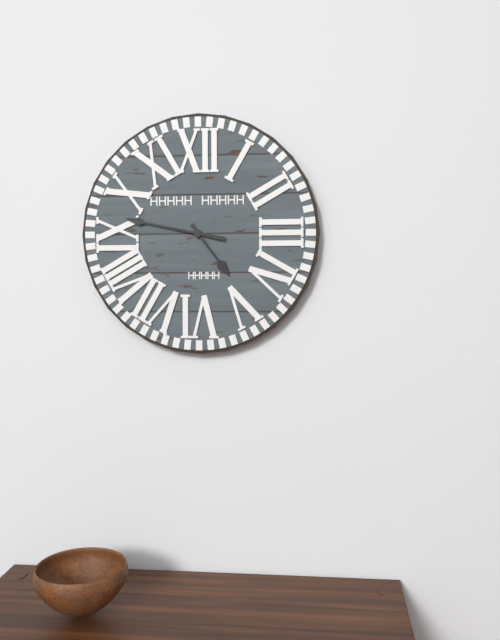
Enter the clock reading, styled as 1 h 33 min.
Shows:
4 h 47 min
